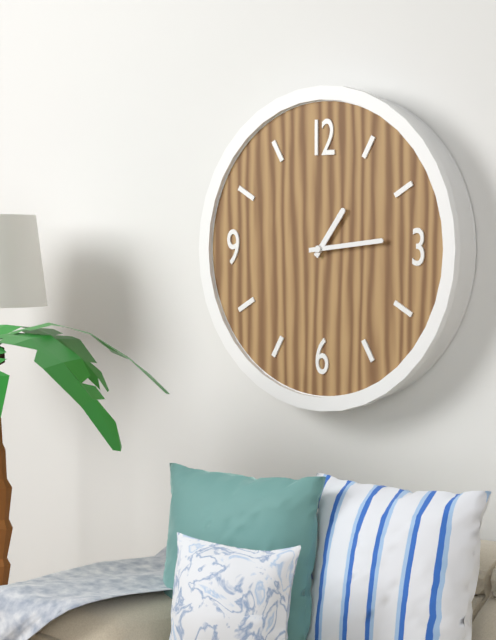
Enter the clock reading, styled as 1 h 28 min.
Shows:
1 h 14 min
